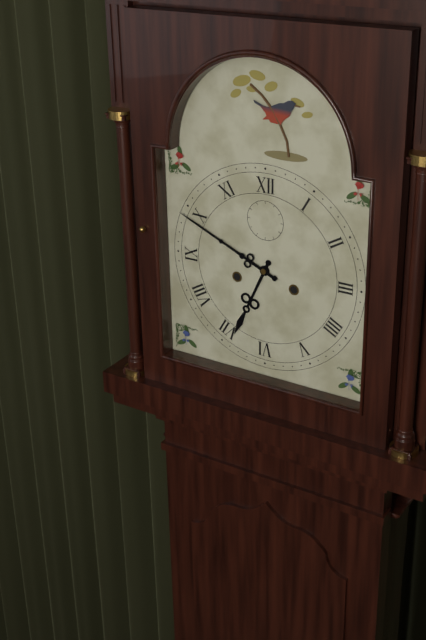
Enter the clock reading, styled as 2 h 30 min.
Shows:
6 h 49 min
